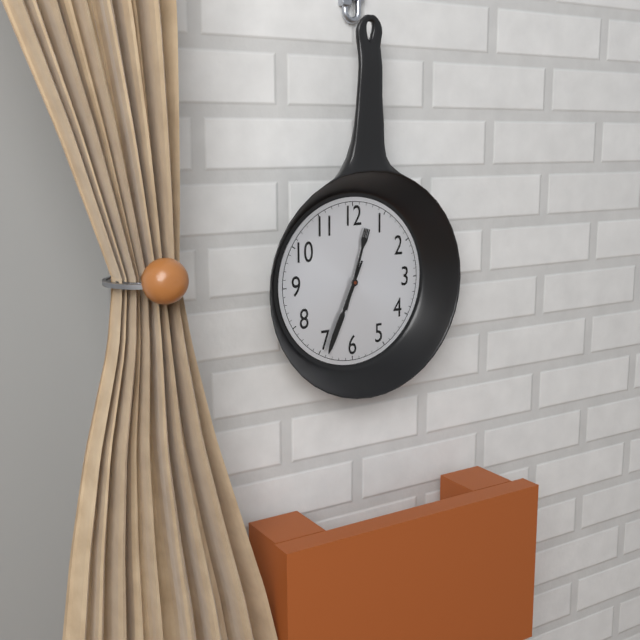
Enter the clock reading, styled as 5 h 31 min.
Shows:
12 h 34 min
